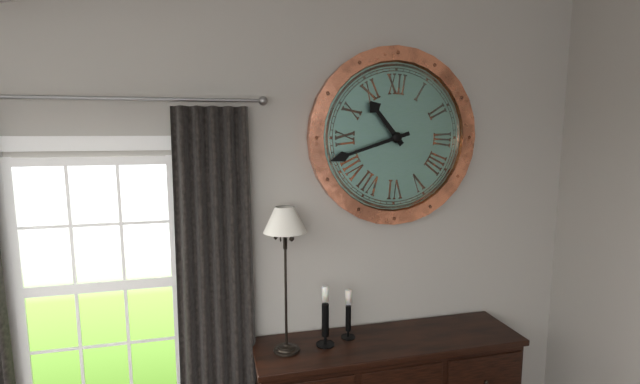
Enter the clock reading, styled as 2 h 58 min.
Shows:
10 h 42 min
